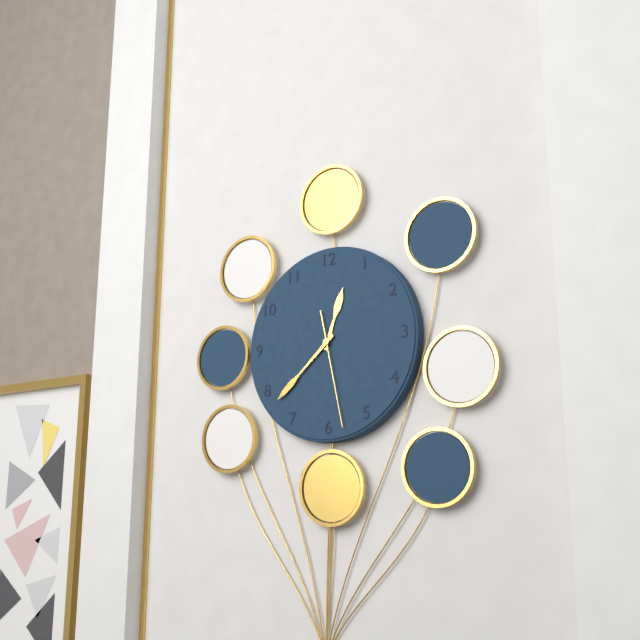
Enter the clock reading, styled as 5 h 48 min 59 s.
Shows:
12 h 38 min 28 s
